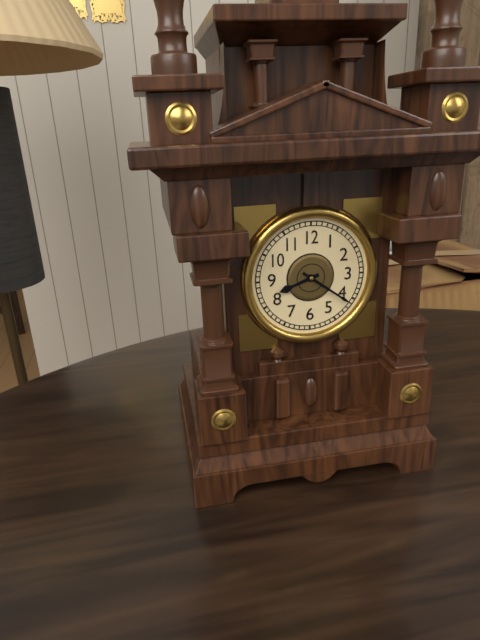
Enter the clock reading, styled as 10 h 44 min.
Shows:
8 h 21 min
